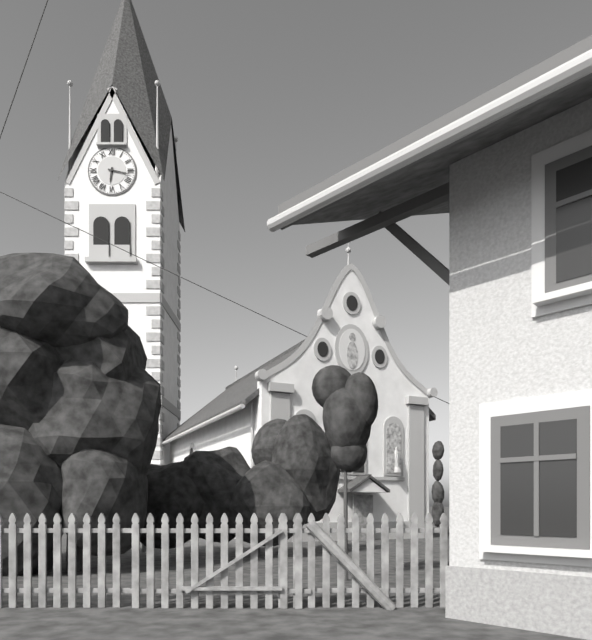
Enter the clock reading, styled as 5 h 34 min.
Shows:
6 h 17 min
